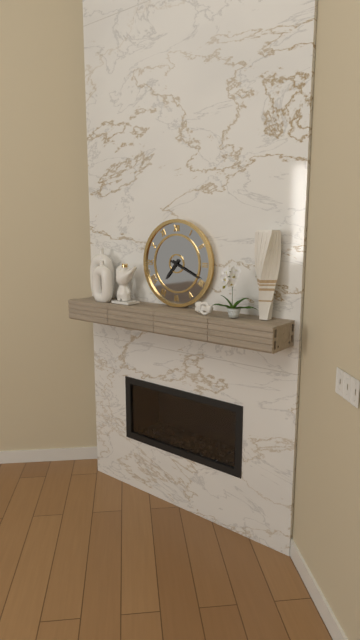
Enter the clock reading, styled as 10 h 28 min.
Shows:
7 h 19 min
